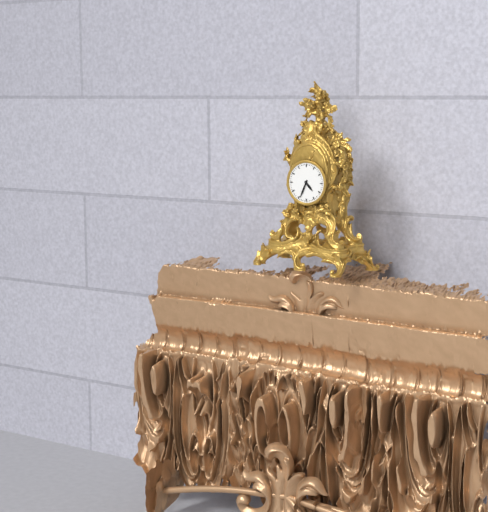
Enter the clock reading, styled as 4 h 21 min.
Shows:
4 h 34 min
